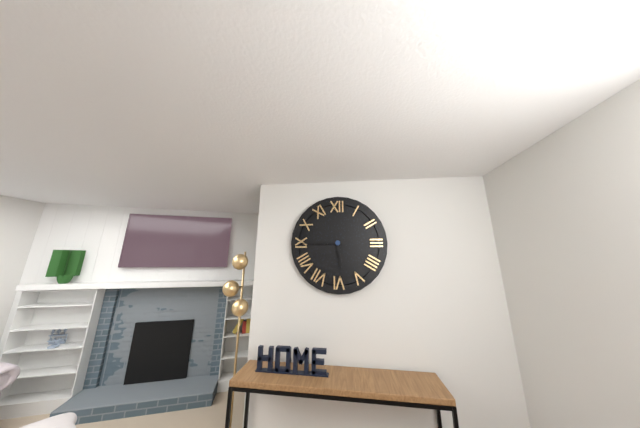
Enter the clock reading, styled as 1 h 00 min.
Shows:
5 h 45 min
